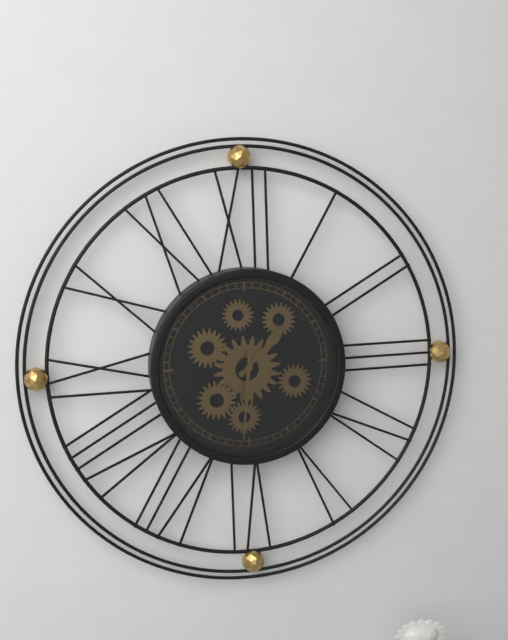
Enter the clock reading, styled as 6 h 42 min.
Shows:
1 h 31 min
